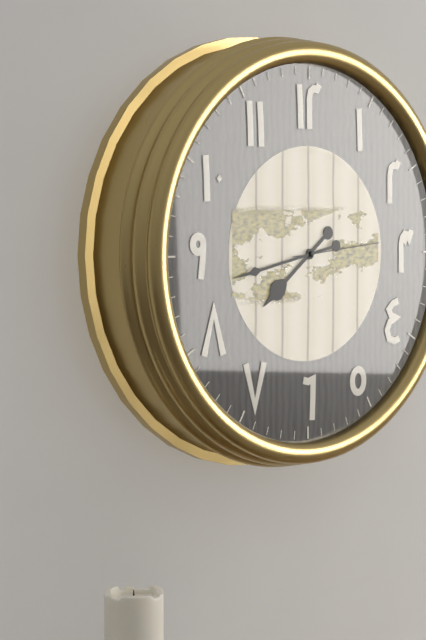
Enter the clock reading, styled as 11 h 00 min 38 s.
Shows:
7 h 43 min 14 s
